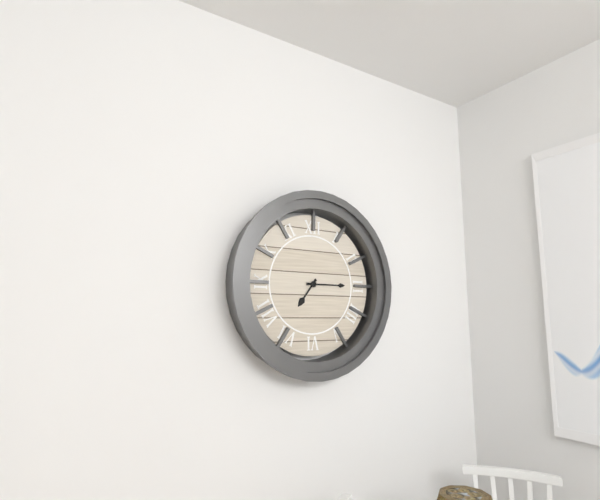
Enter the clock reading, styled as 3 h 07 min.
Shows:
7 h 15 min
